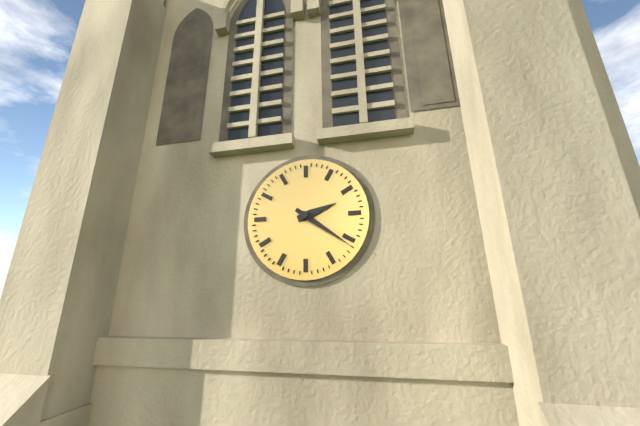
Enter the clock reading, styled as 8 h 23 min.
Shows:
2 h 21 min
